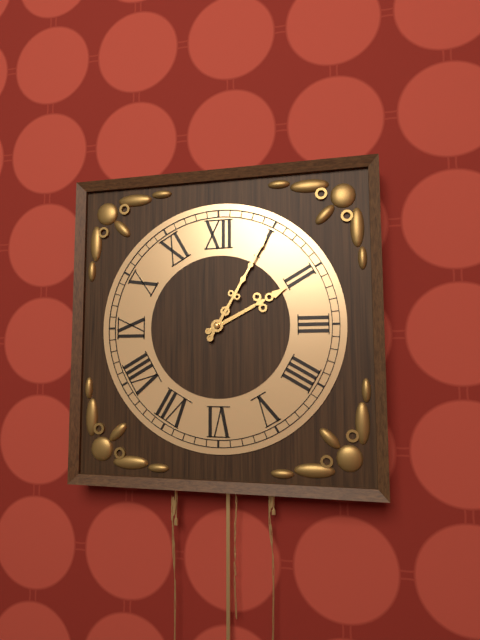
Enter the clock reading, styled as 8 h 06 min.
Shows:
2 h 05 min
